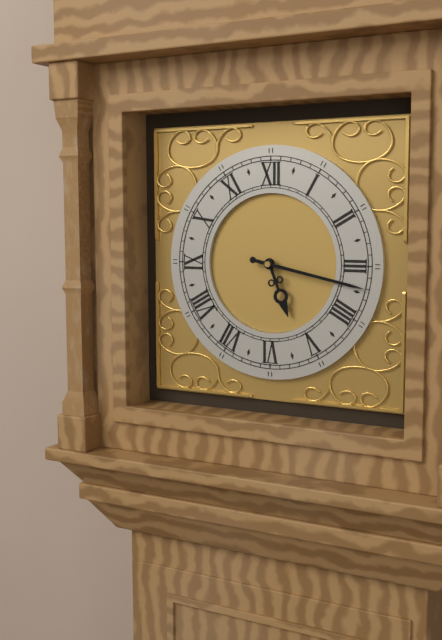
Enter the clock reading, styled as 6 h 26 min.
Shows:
5 h 17 min
